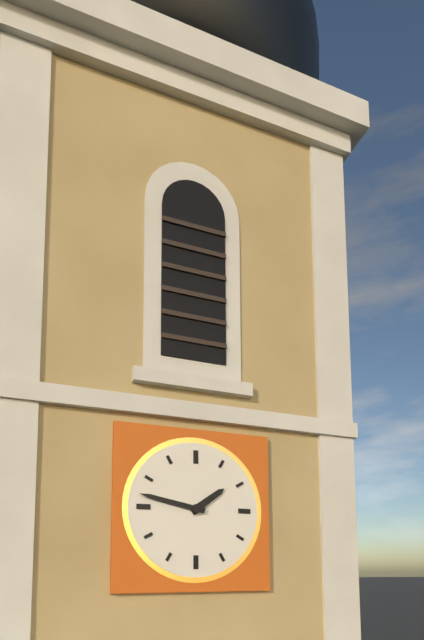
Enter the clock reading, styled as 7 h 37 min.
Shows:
1 h 47 min
